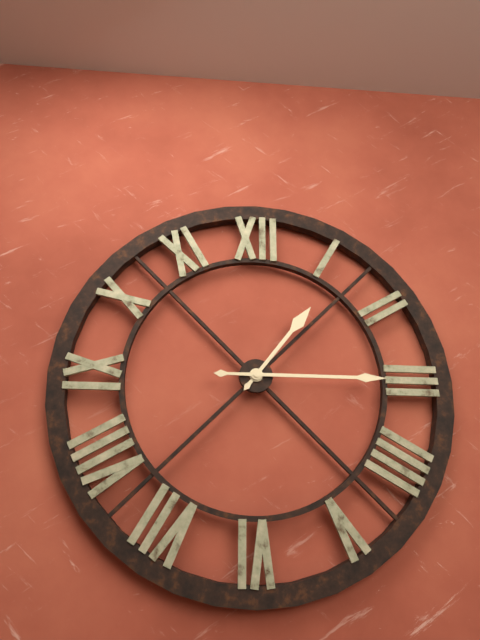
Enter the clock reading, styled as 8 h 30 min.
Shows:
1 h 15 min
